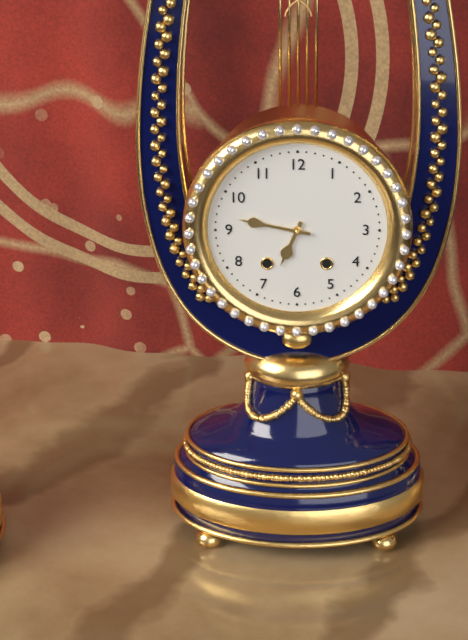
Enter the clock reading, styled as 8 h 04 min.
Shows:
6 h 47 min
